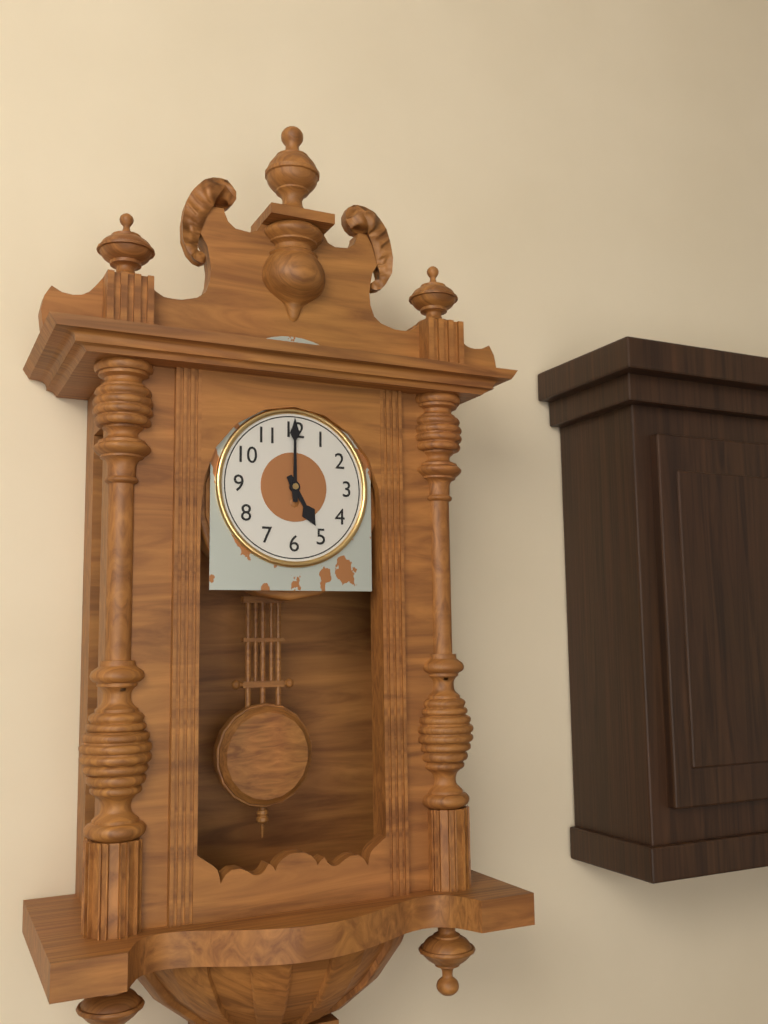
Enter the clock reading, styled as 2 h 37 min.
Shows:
5 h 00 min
